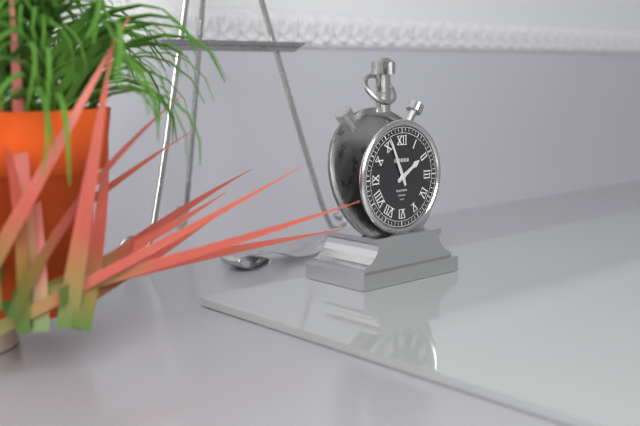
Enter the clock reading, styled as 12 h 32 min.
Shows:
1 h 56 min
